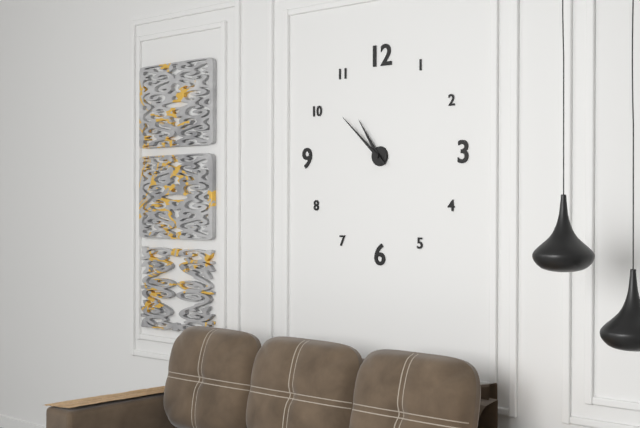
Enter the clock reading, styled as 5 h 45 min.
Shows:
10 h 52 min
